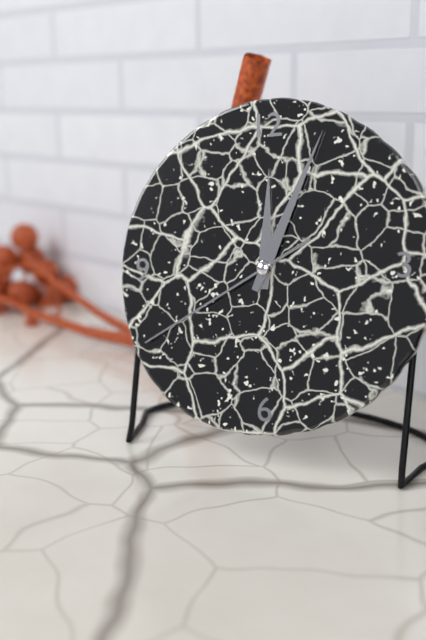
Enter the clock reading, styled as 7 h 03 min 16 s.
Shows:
12 h 04 min 40 s
